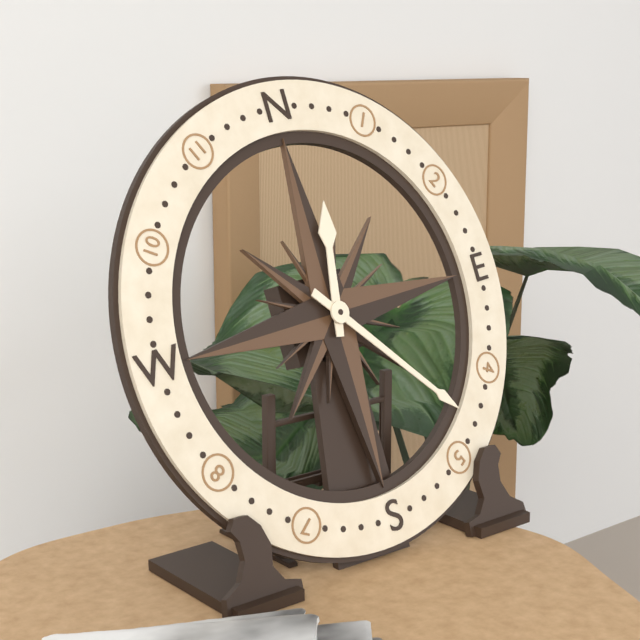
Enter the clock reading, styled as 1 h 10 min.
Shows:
12 h 23 min
